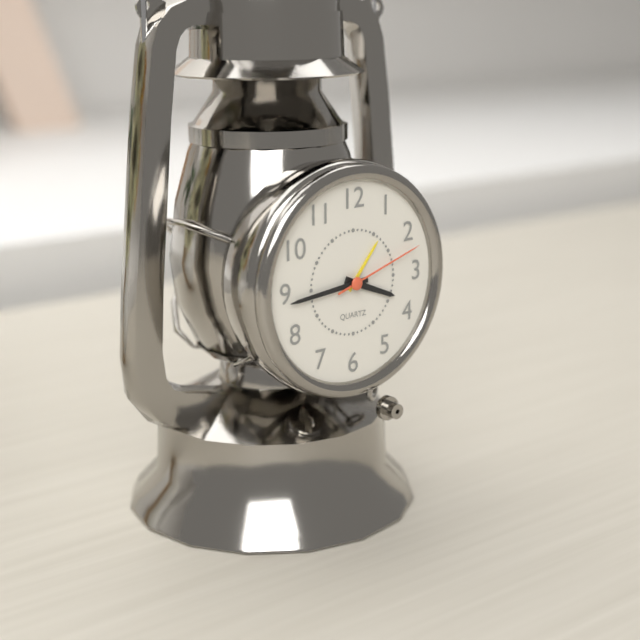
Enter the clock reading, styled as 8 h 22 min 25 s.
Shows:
3 h 44 min 12 s
